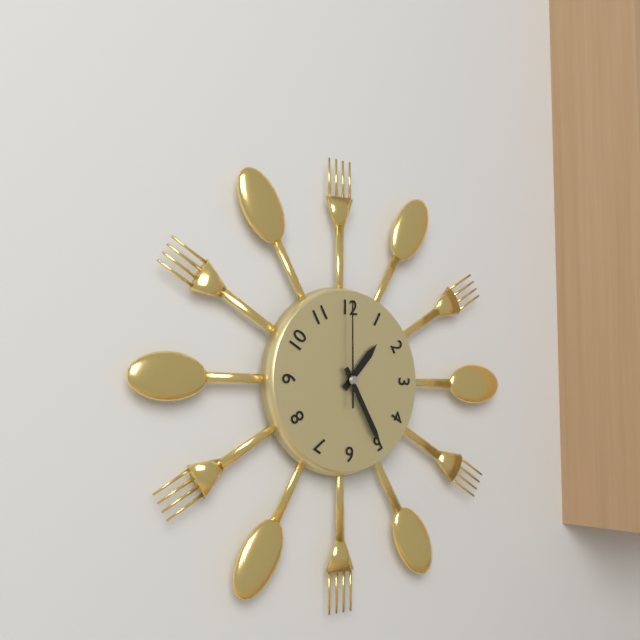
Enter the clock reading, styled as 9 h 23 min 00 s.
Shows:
1 h 25 min 00 s
